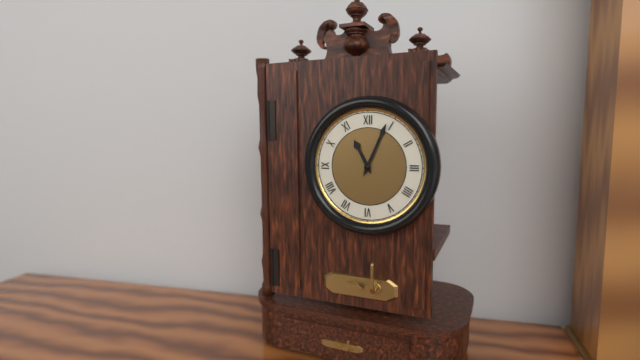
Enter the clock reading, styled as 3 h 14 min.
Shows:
11 h 04 min
